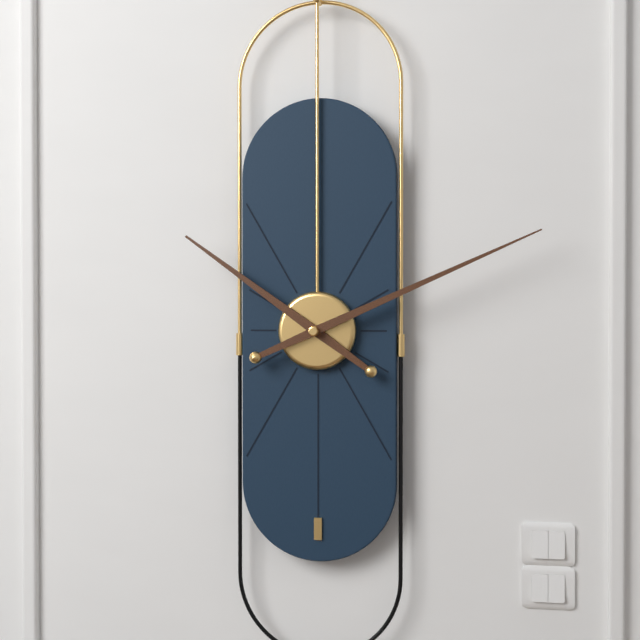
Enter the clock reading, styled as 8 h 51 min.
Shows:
10 h 11 min
